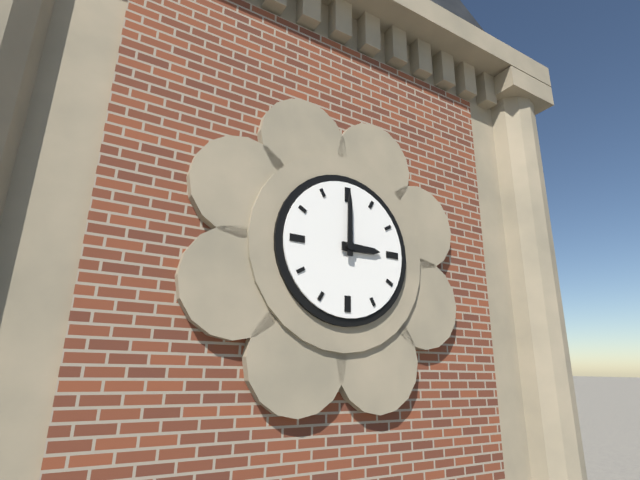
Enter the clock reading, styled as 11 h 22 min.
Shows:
3 h 00 min
